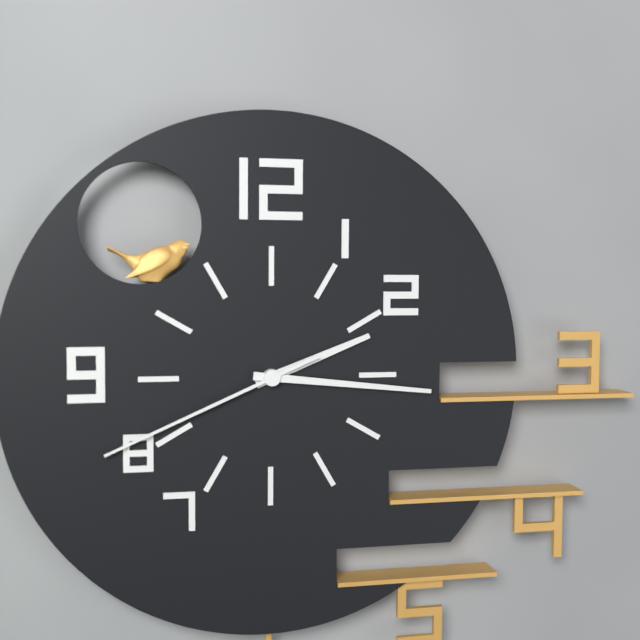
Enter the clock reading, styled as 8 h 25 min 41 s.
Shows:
2 h 16 min 41 s
